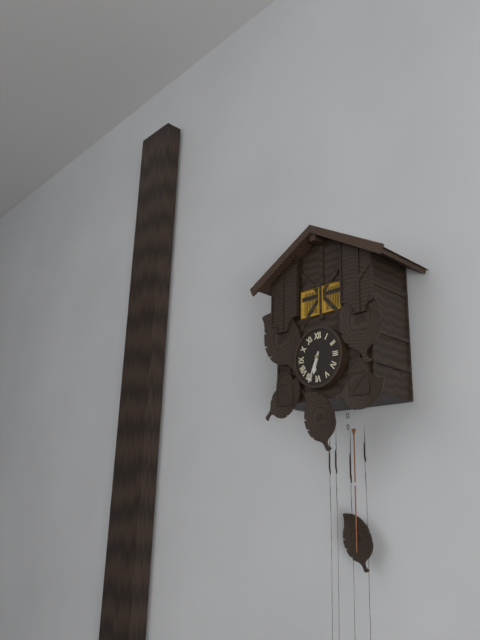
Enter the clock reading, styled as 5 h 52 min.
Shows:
6 h 34 min
